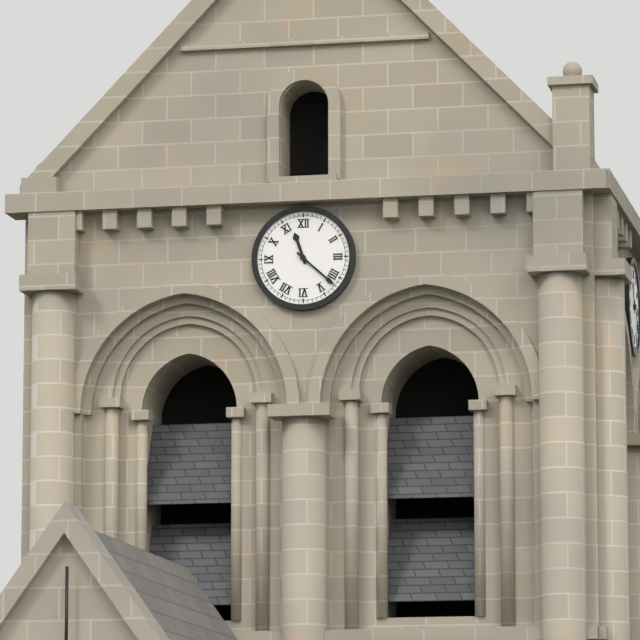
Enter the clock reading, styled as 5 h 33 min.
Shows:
11 h 22 min
